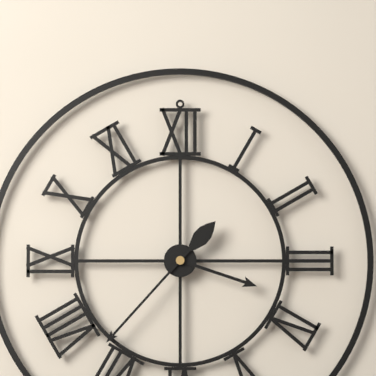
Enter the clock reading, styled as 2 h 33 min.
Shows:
3 h 37 min
